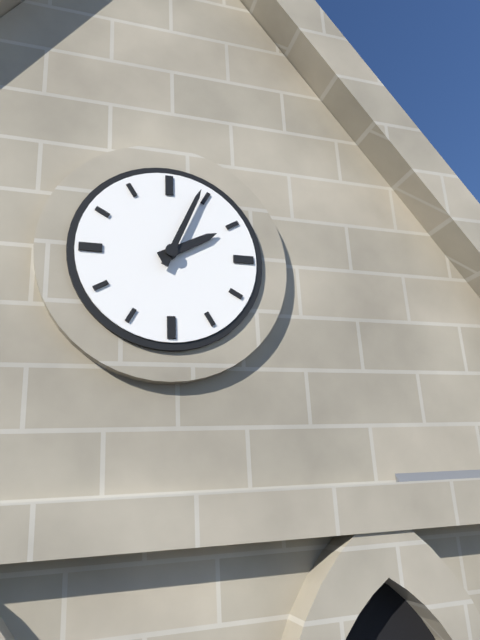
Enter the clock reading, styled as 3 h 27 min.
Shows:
2 h 04 min
